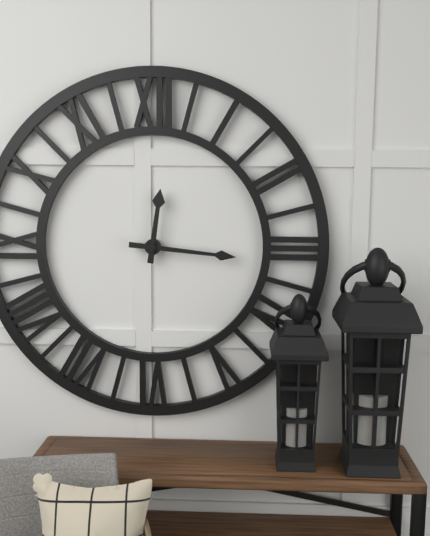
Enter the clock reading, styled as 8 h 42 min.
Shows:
12 h 16 min
